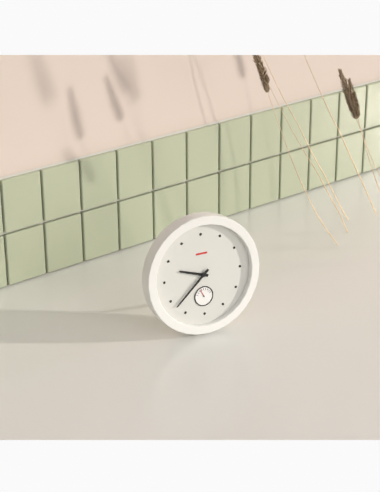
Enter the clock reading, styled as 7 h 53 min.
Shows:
9 h 38 min
